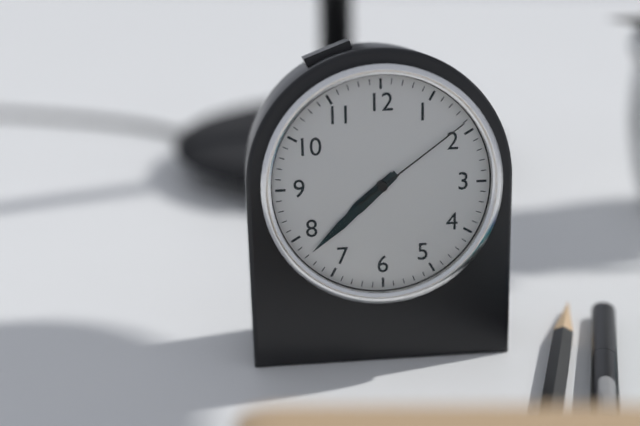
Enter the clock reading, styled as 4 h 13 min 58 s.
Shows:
7 h 38 min 09 s
